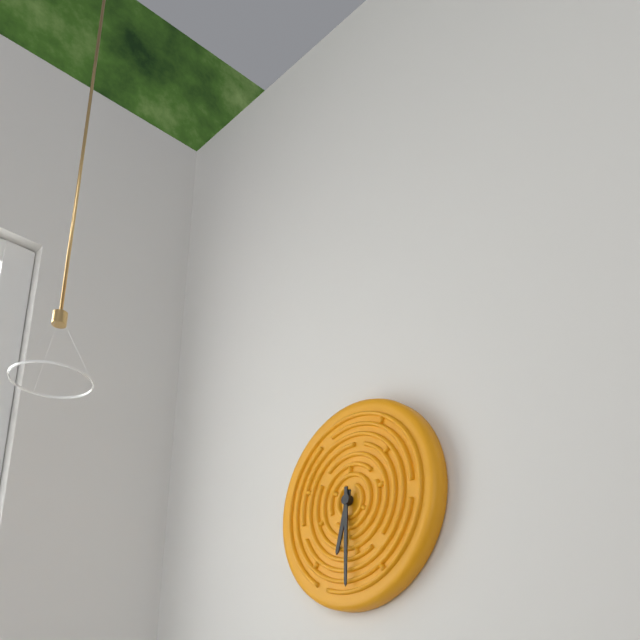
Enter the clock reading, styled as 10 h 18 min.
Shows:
6 h 30 min
